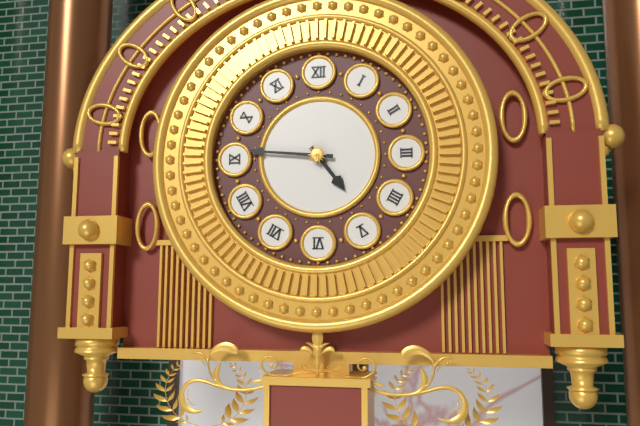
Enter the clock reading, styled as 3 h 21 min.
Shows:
4 h 46 min
